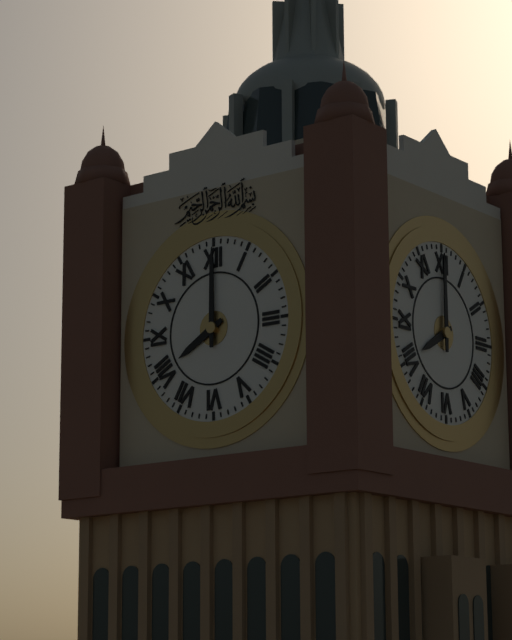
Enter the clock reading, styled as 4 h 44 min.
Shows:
8 h 00 min
